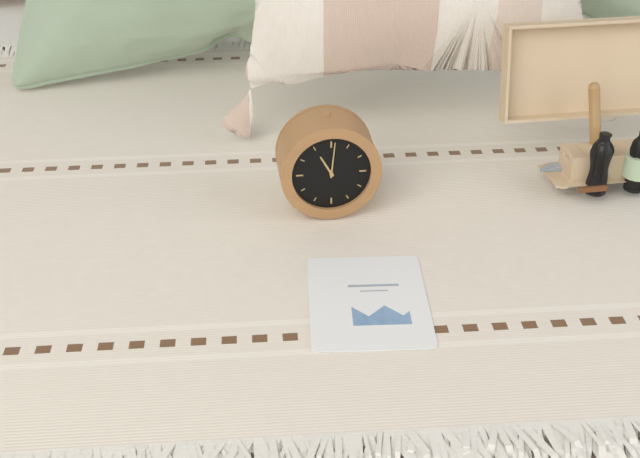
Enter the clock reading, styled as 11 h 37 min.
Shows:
11 h 01 min
